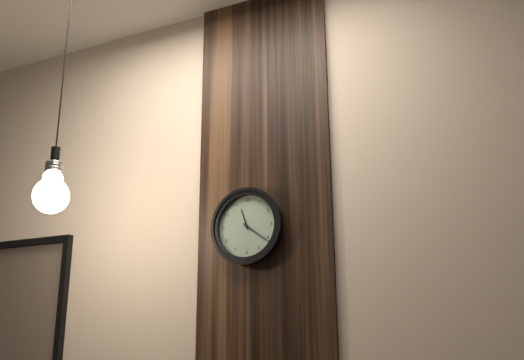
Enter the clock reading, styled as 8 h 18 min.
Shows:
11 h 21 min
